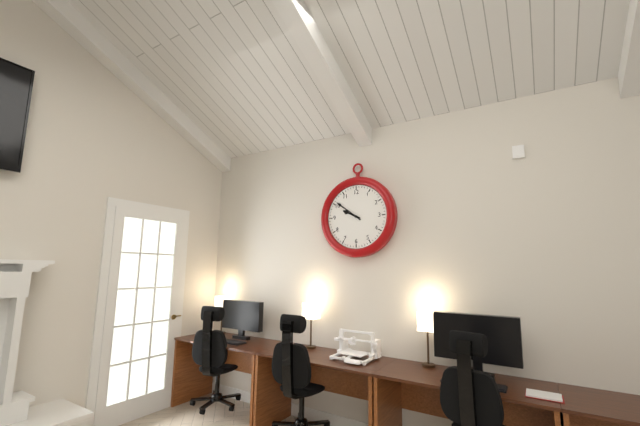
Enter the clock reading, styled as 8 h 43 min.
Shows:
9 h 51 min
